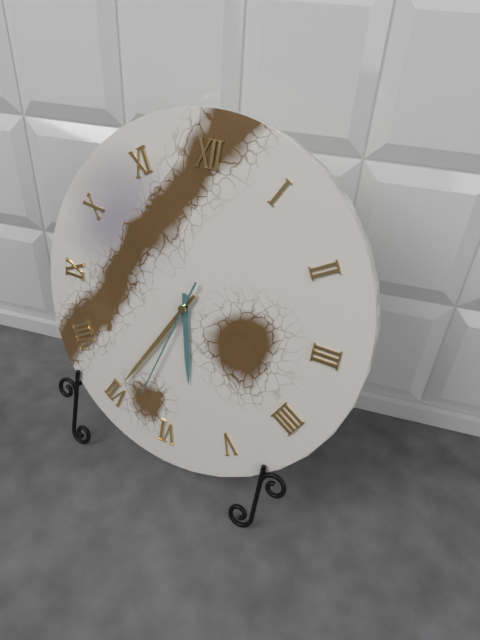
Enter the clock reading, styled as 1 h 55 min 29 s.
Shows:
5 h 35 min 33 s
